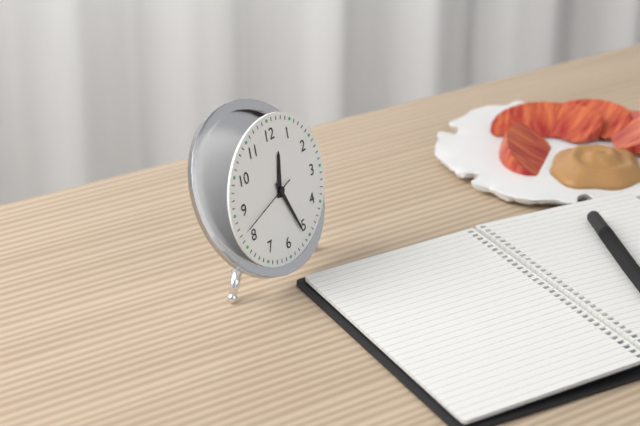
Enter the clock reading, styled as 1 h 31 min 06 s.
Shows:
12 h 26 min 42 s
